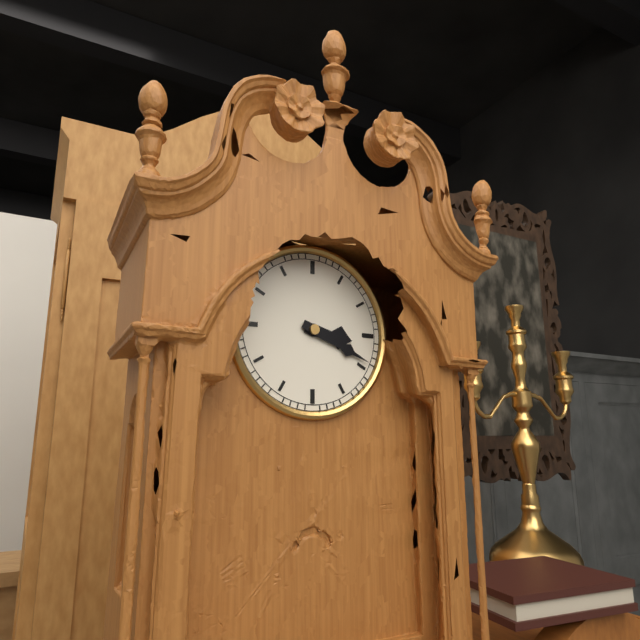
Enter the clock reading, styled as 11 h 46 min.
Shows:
3 h 19 min
